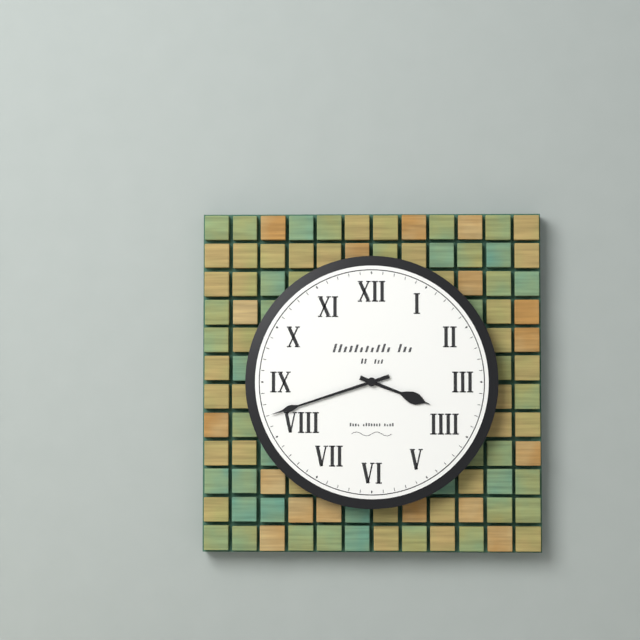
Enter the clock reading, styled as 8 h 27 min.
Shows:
3 h 42 min
